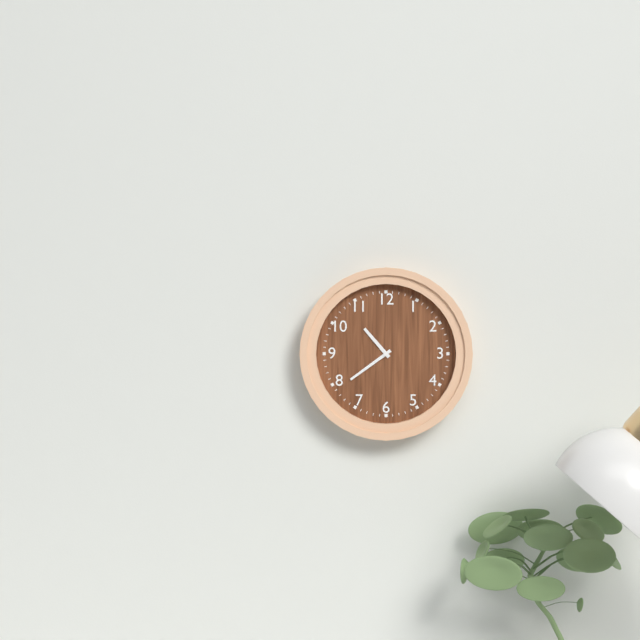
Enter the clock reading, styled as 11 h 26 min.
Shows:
10 h 39 min
